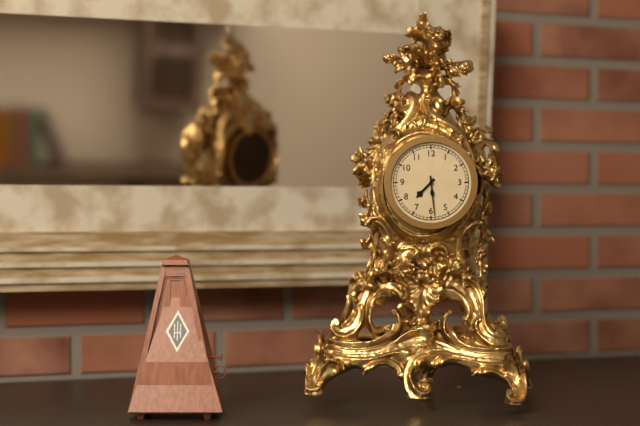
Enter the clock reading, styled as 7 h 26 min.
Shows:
7 h 29 min
